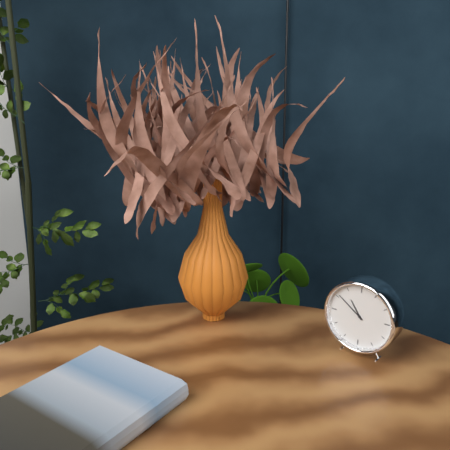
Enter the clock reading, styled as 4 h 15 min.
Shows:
10 h 51 min
